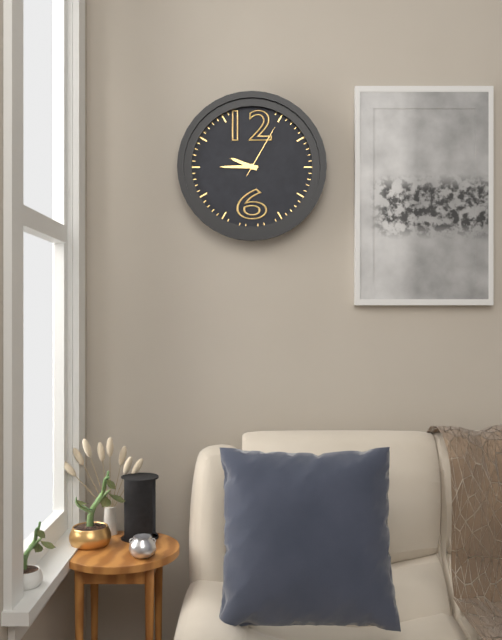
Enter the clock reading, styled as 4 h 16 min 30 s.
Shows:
9 h 45 min 05 s
